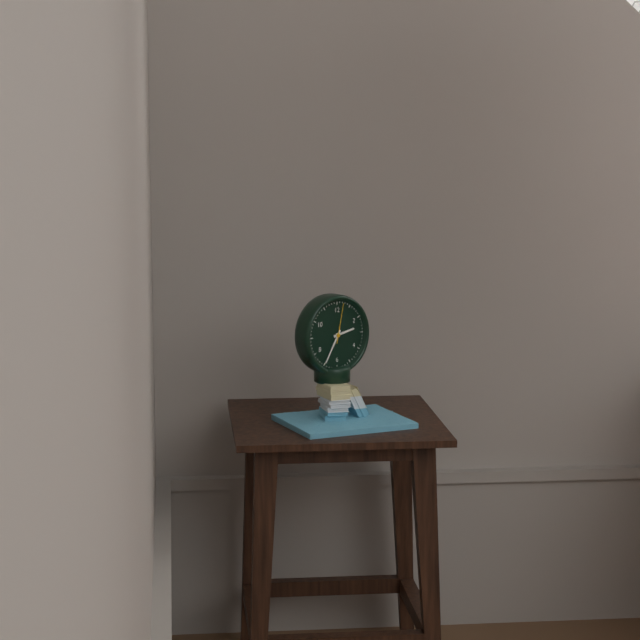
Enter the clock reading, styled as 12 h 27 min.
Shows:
2 h 35 min
